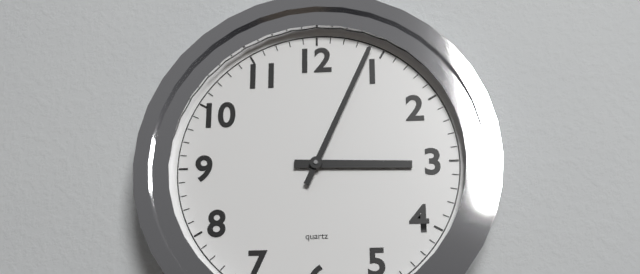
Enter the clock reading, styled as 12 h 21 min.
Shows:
3 h 04 min
